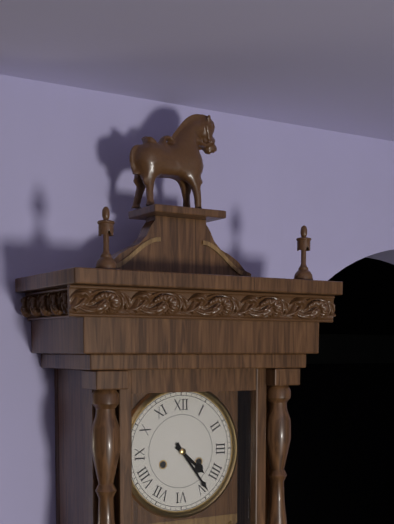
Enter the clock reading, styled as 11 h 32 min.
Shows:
4 h 24 min
